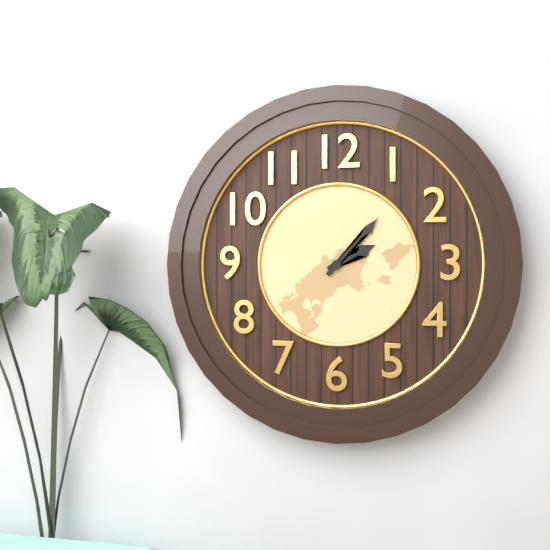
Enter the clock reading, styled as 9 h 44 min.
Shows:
2 h 07 min
